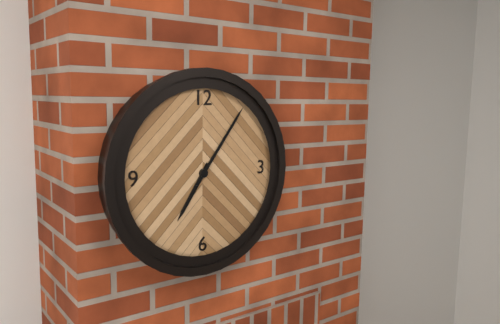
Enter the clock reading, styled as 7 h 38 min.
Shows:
7 h 06 min
